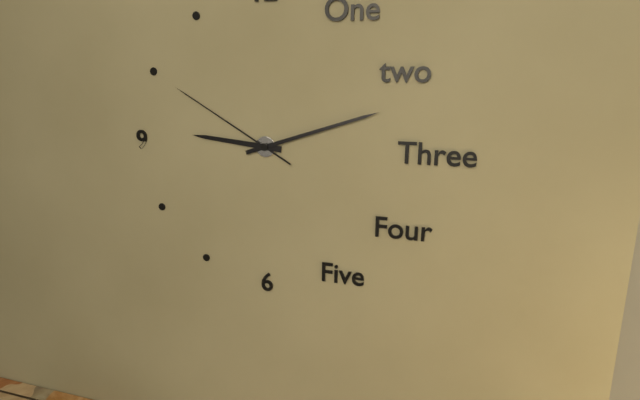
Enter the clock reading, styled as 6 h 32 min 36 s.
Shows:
9 h 12 min 50 s
